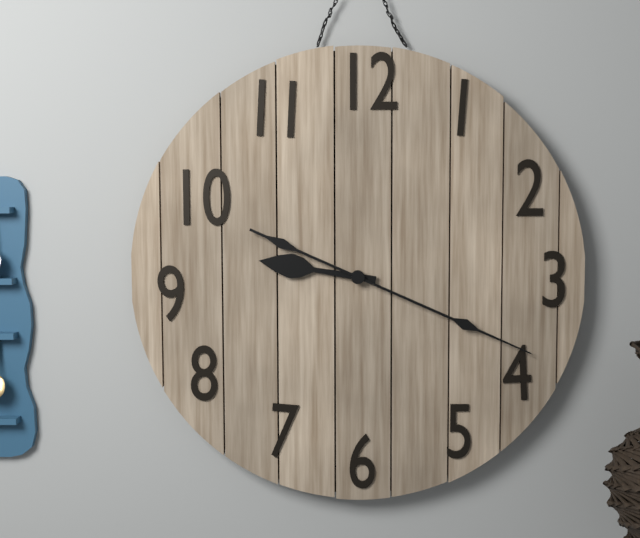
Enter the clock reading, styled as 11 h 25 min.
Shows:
9 h 19 min
